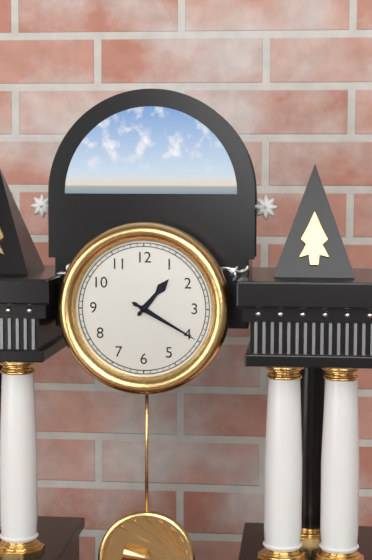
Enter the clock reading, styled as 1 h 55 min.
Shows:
1 h 20 min
